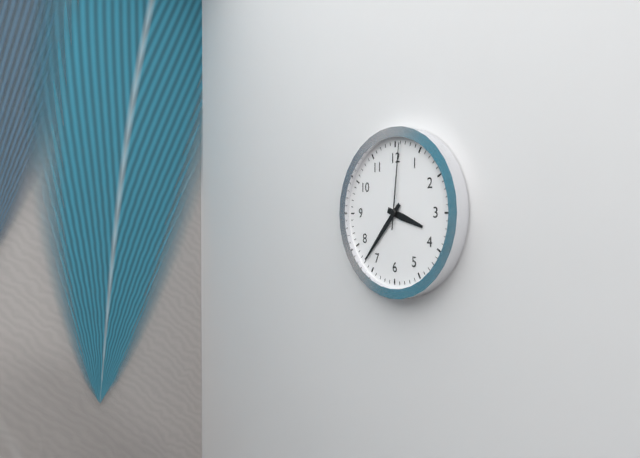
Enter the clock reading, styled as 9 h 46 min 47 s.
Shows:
3 h 37 min 01 s
